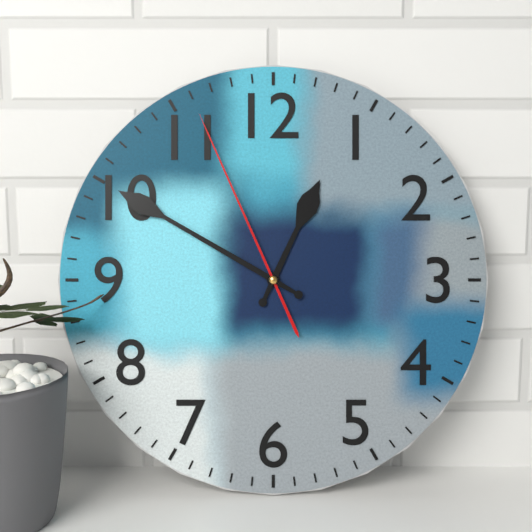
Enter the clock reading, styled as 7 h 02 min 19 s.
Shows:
12 h 50 min 56 s
